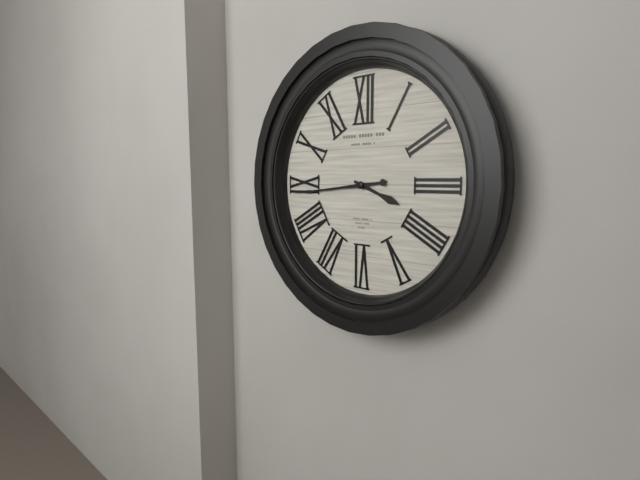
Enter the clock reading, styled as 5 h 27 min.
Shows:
3 h 44 min
